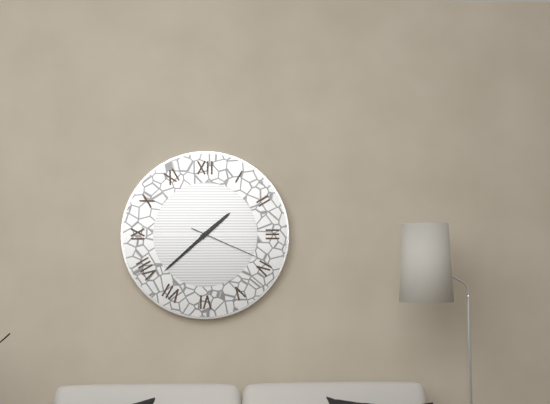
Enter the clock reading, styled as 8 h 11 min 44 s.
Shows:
1 h 38 min 19 s
